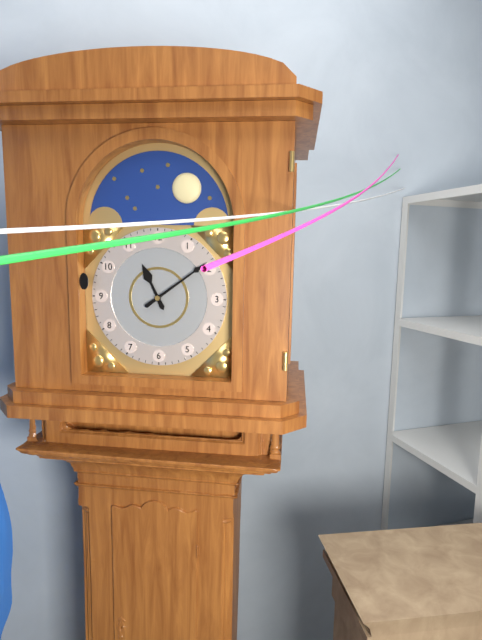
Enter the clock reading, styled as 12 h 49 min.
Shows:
11 h 09 min
